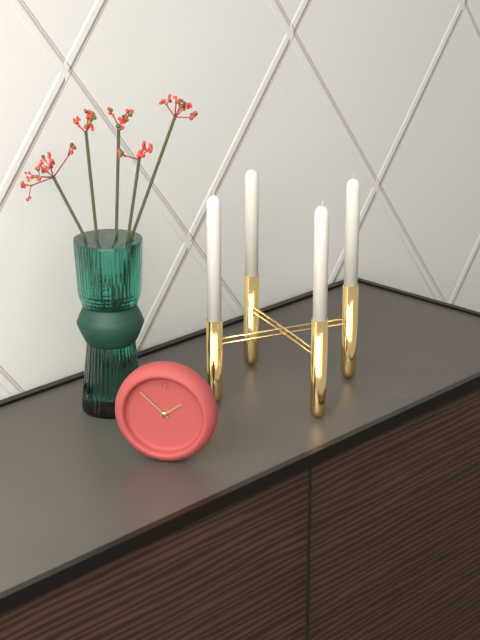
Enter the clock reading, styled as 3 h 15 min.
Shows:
1 h 52 min
